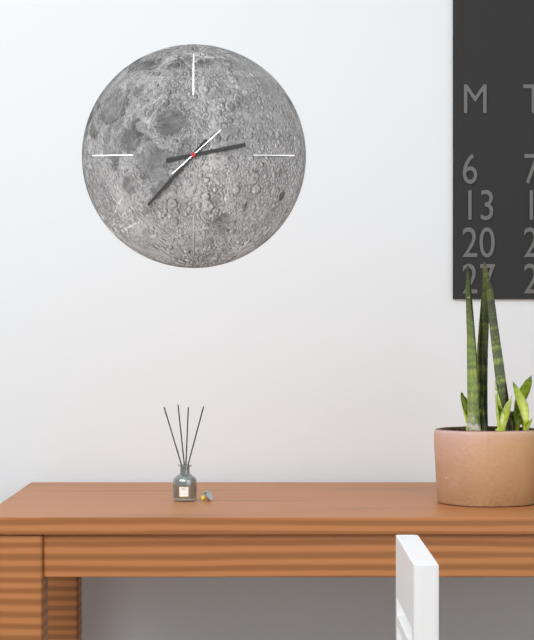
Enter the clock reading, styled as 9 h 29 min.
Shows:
2 h 37 min
